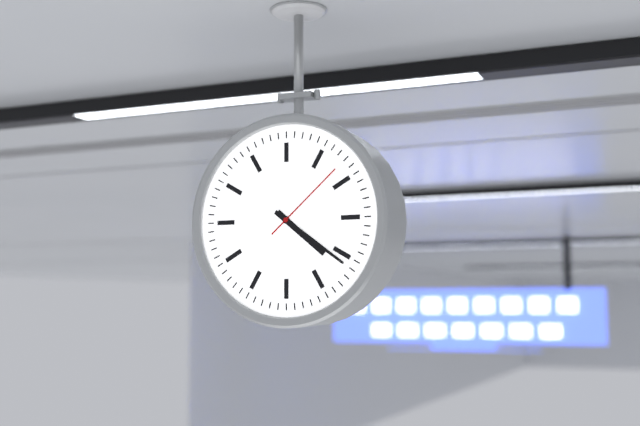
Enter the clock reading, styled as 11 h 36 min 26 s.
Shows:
4 h 21 min 08 s
